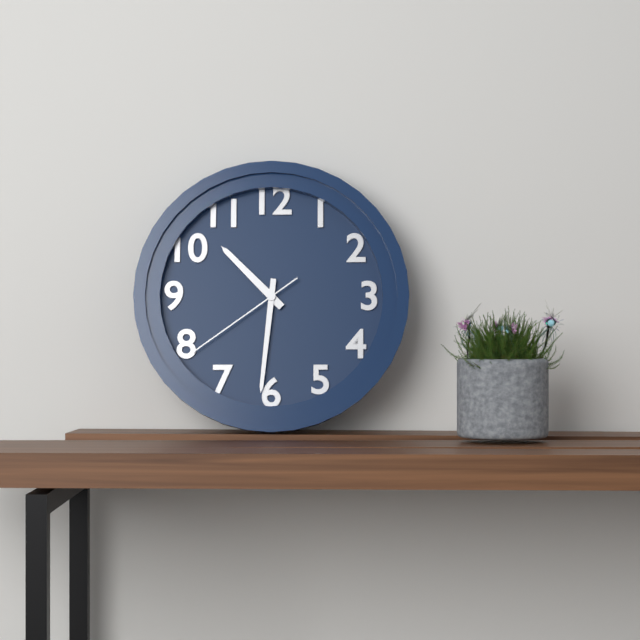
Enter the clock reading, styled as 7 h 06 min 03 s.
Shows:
10 h 31 min 39 s
